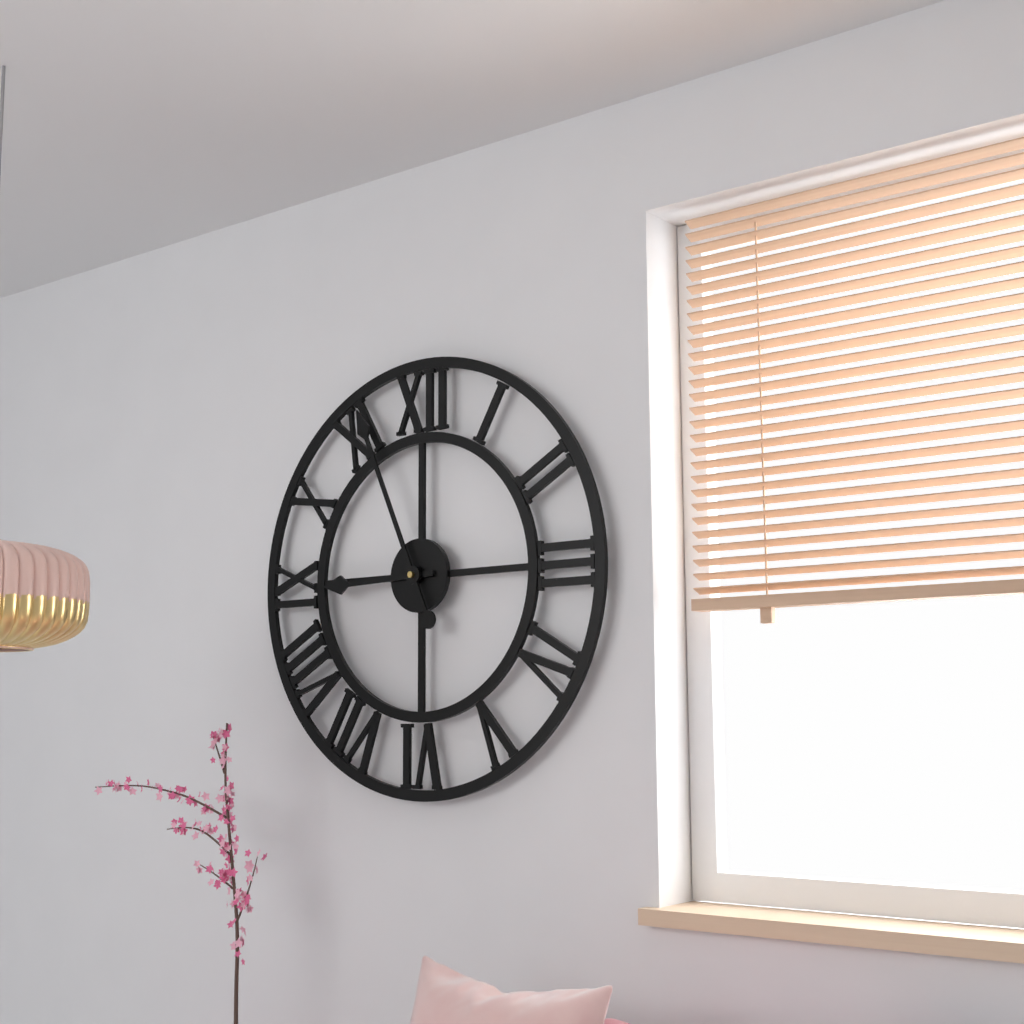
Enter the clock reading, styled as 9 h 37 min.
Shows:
8 h 56 min
